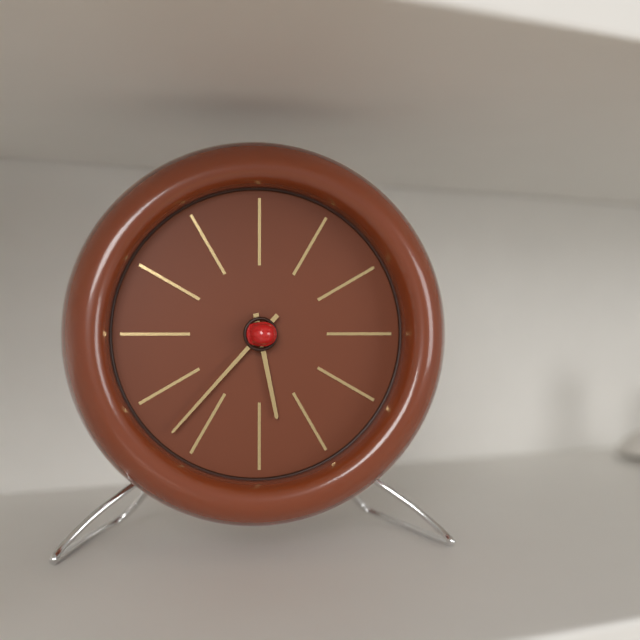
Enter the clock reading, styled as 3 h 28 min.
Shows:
5 h 37 min
